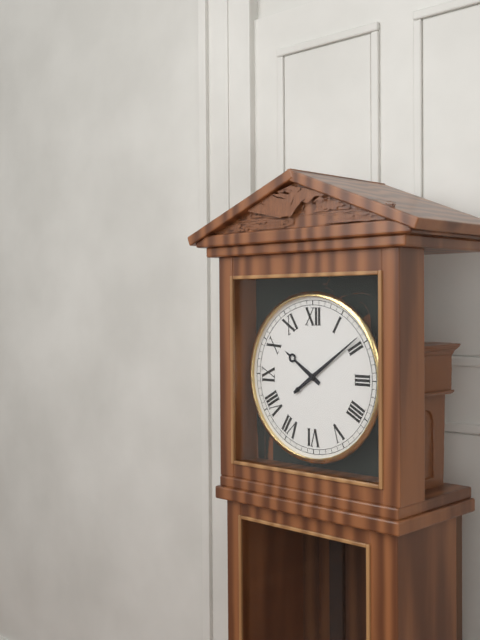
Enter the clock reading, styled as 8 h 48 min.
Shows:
10 h 09 min
